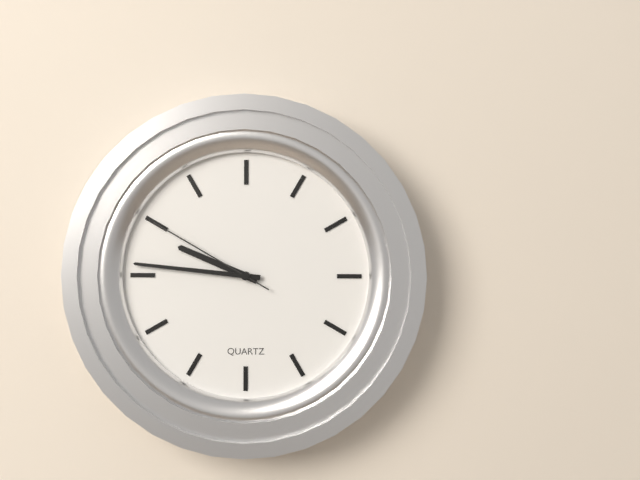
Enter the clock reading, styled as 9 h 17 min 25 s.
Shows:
9 h 46 min 50 s
